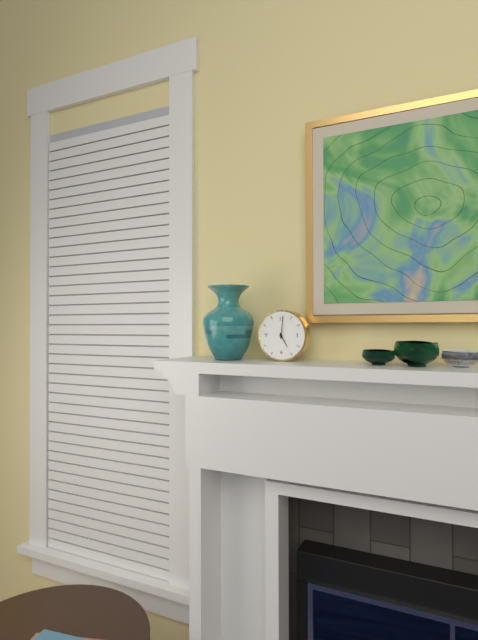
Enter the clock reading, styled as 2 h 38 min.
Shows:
5 h 01 min
